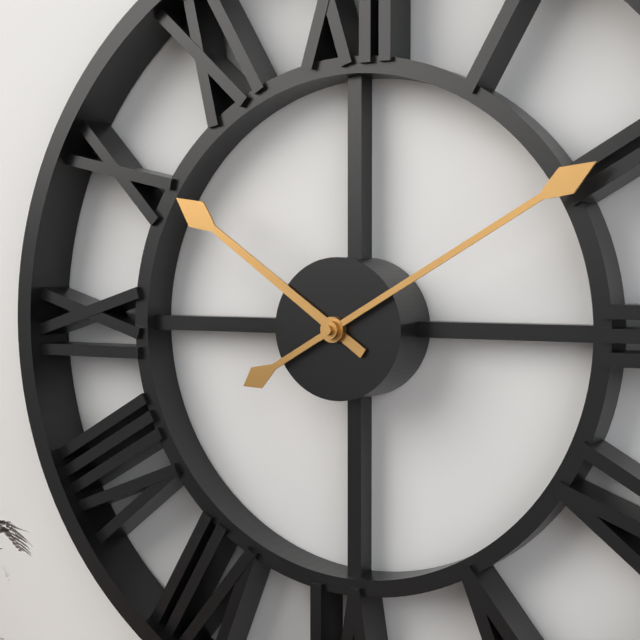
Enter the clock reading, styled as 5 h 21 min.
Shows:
10 h 10 min
